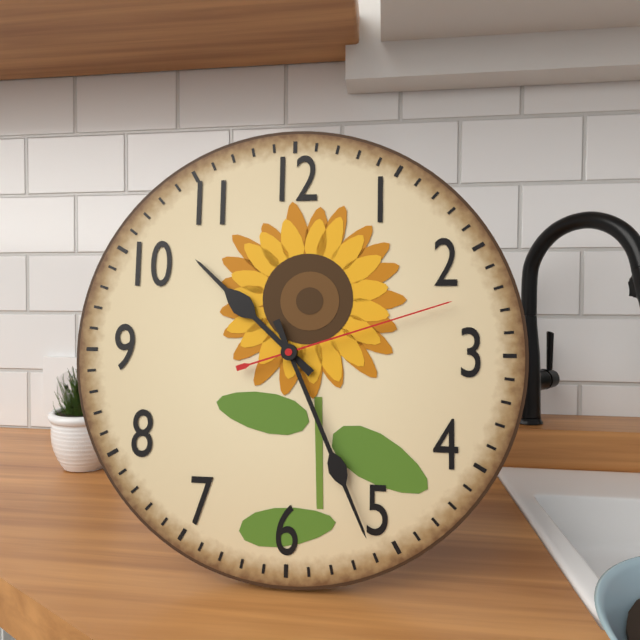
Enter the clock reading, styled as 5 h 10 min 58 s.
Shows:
10 h 26 min 12 s
